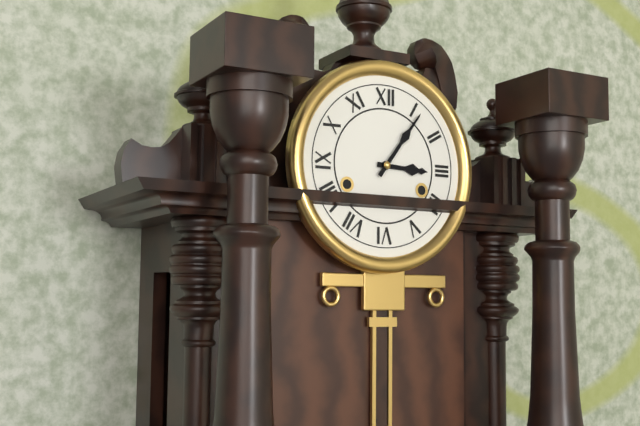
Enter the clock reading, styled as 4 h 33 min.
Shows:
3 h 06 min
